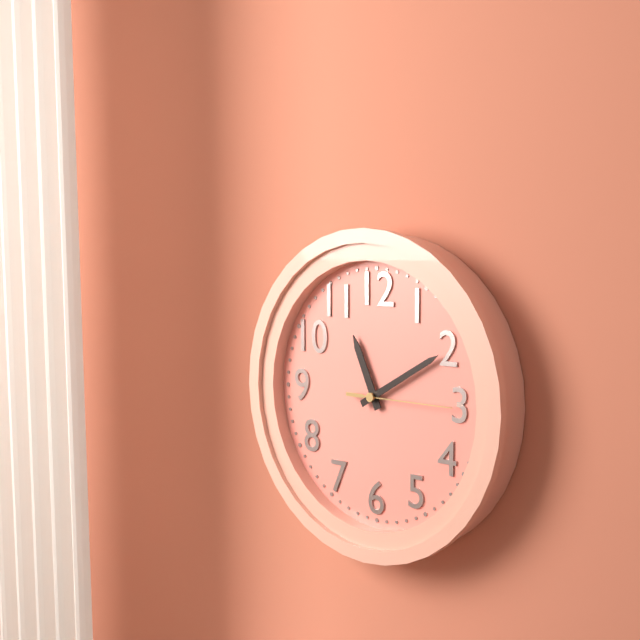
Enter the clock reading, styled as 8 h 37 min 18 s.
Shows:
11 h 10 min 15 s
